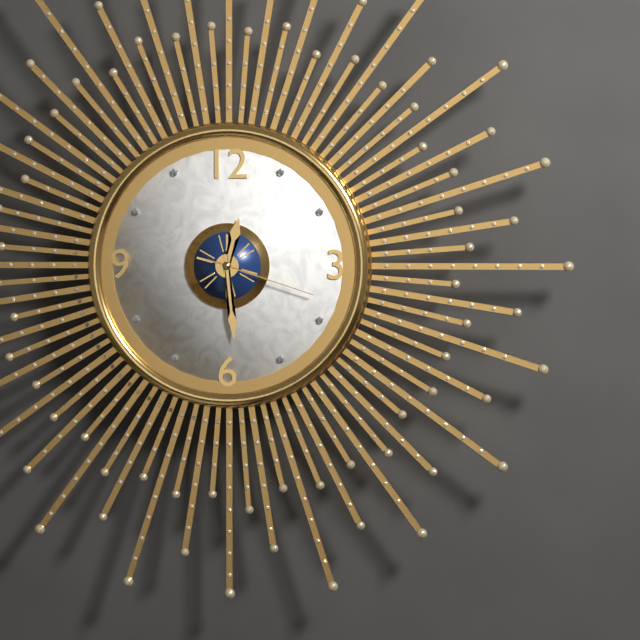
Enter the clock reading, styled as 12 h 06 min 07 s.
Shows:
12 h 29 min 18 s
